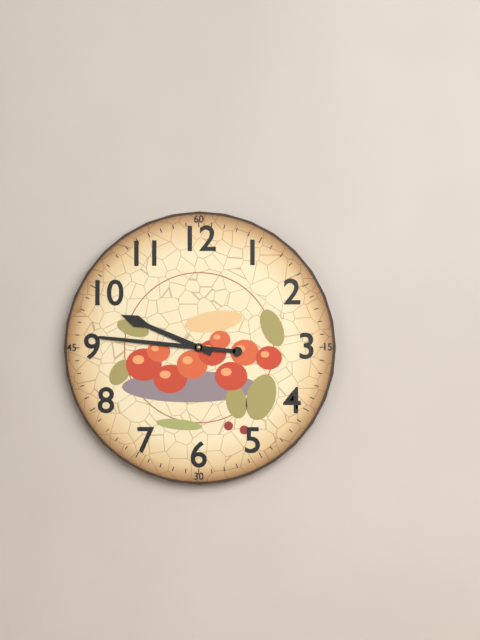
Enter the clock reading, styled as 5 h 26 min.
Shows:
9 h 46 min
